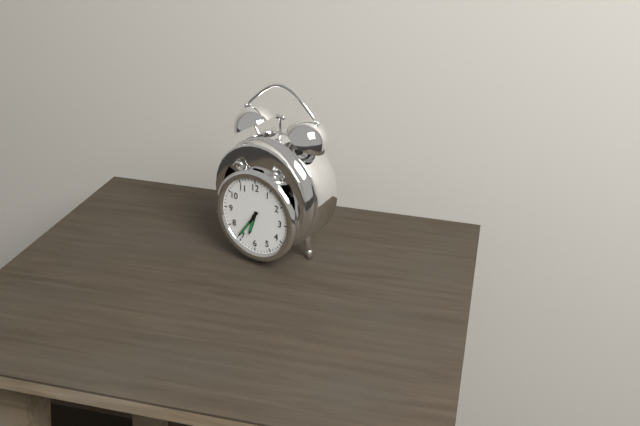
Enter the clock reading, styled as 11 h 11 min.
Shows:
6 h 36 min
